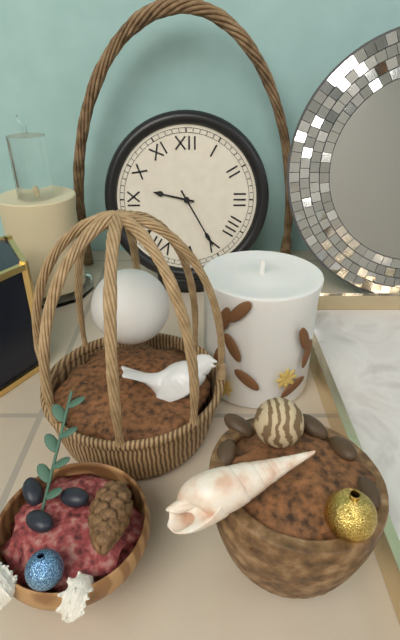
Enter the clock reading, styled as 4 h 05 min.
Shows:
9 h 25 min
